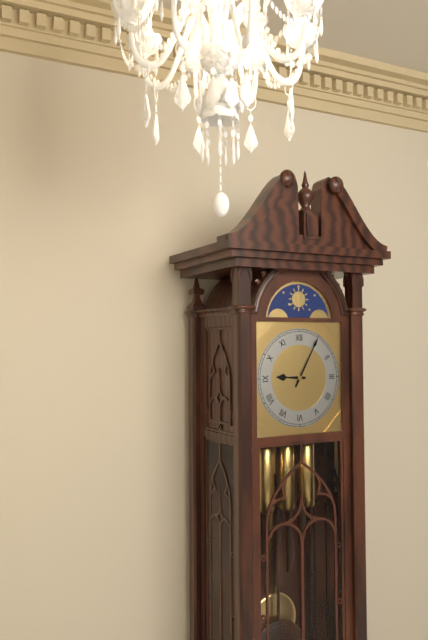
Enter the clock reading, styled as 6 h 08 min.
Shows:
9 h 05 min
